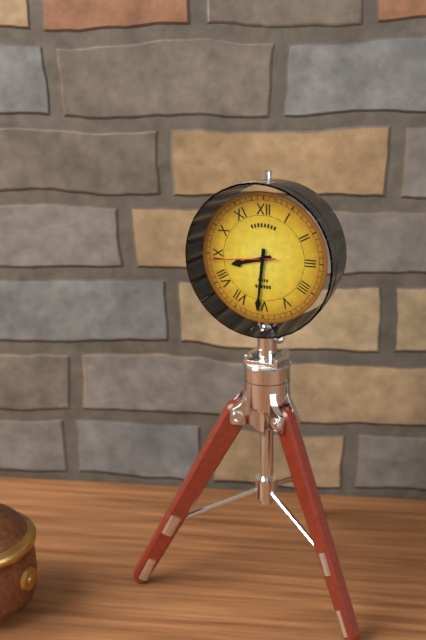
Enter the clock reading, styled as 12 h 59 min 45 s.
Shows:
8 h 31 min 44 s
